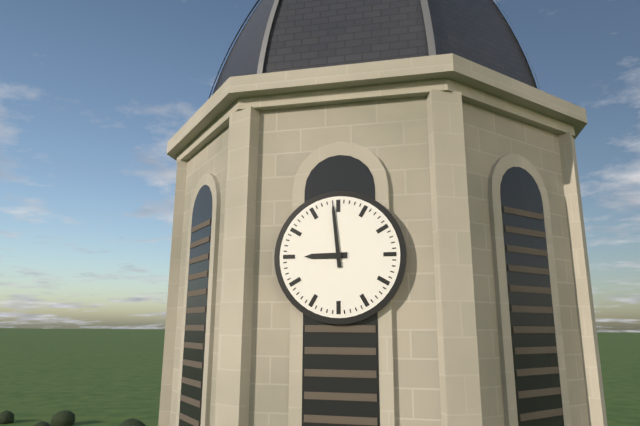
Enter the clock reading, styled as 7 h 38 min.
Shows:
8 h 59 min
